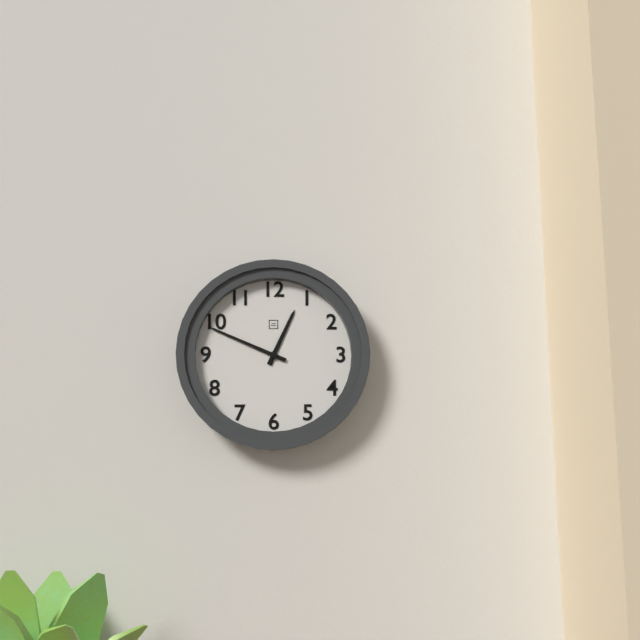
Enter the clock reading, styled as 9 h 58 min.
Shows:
12 h 49 min
